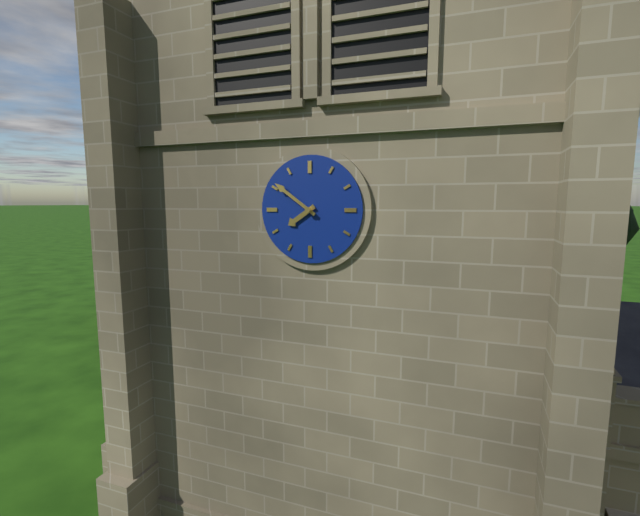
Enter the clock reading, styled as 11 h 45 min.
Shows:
7 h 51 min
